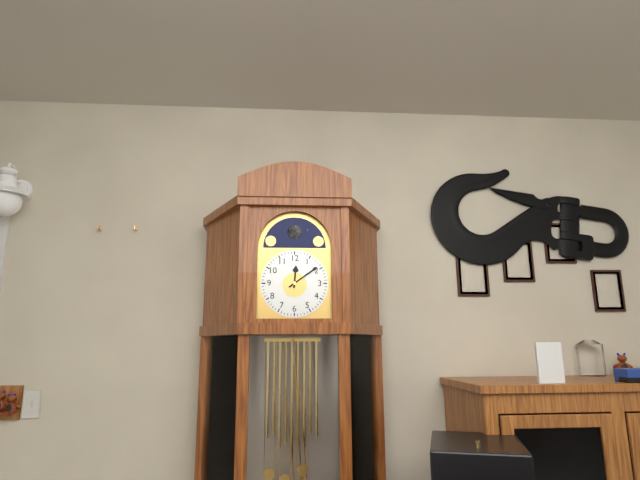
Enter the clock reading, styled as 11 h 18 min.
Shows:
12 h 09 min
